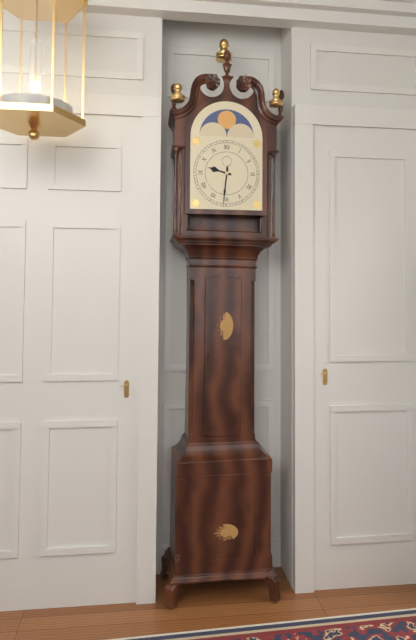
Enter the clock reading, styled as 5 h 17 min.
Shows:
9 h 31 min
